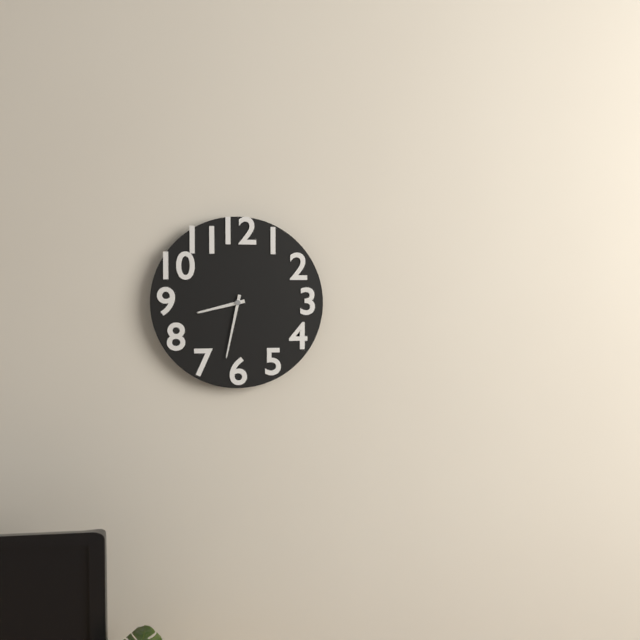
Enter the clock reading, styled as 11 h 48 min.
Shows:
8 h 32 min
